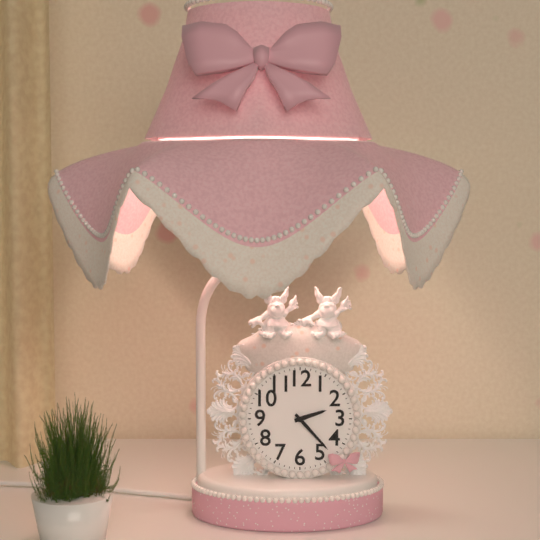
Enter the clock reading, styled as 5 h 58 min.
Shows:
2 h 23 min
